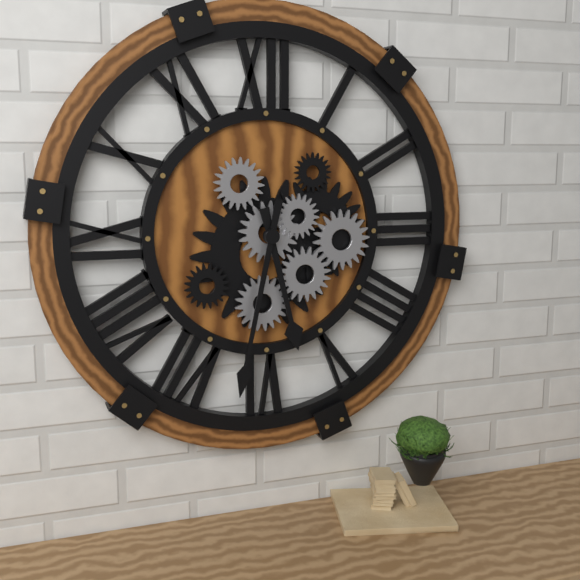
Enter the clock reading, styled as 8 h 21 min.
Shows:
5 h 32 min
